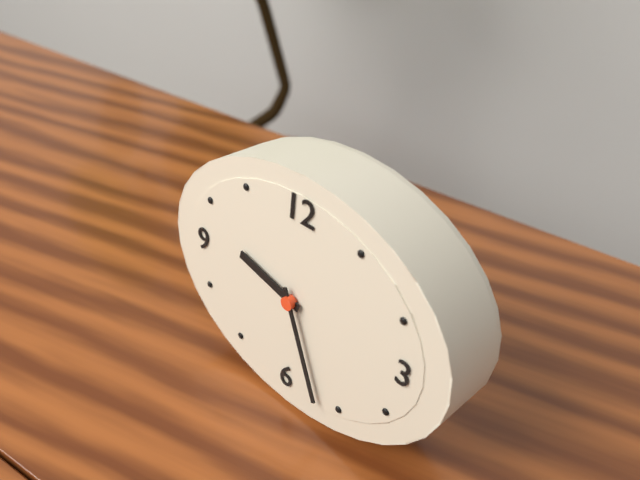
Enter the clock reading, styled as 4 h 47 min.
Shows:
9 h 26 min
